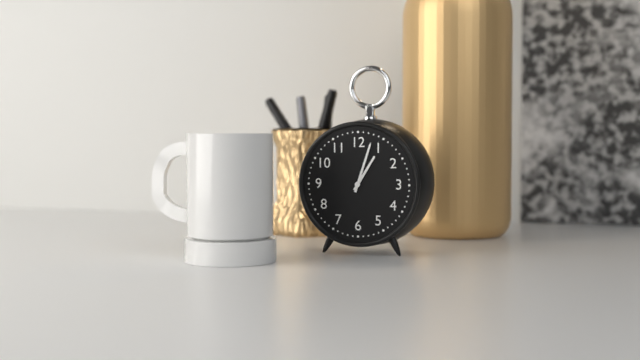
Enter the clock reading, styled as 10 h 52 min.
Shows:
1 h 03 min
